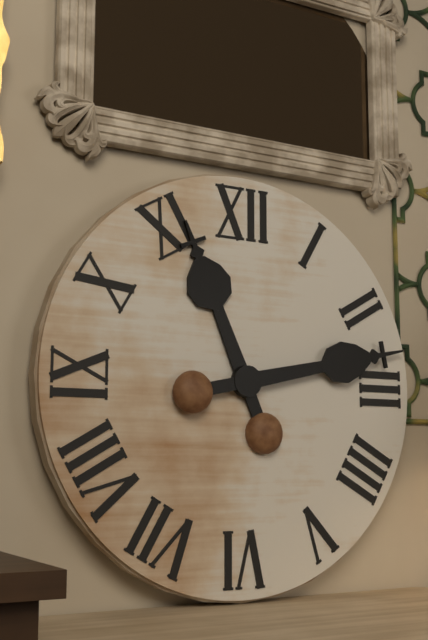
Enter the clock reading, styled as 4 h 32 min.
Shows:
11 h 13 min
